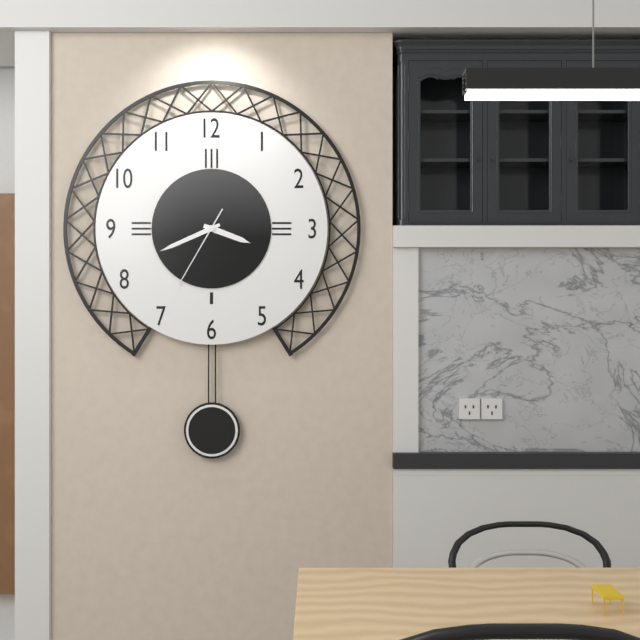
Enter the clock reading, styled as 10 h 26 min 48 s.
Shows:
3 h 41 min 35 s
